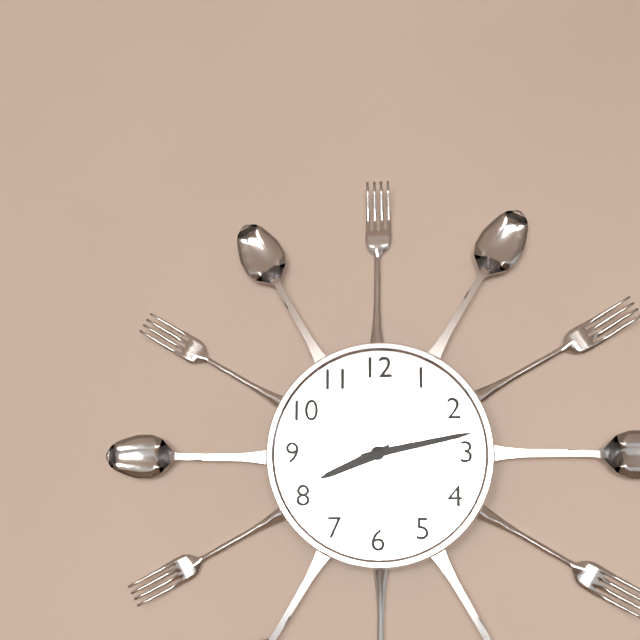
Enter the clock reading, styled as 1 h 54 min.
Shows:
8 h 13 min
